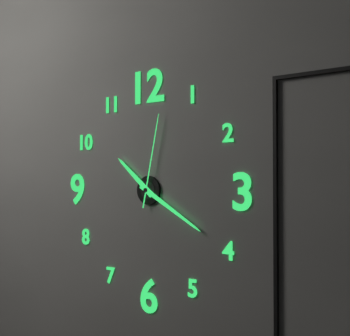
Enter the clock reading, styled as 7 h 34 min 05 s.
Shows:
10 h 20 min 02 s
